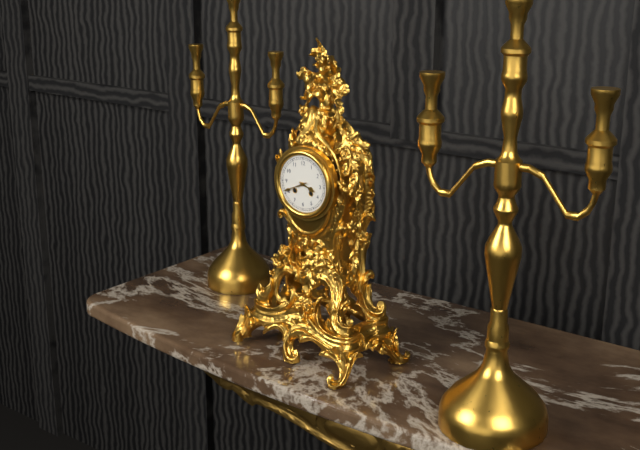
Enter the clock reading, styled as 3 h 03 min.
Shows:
3 h 41 min
